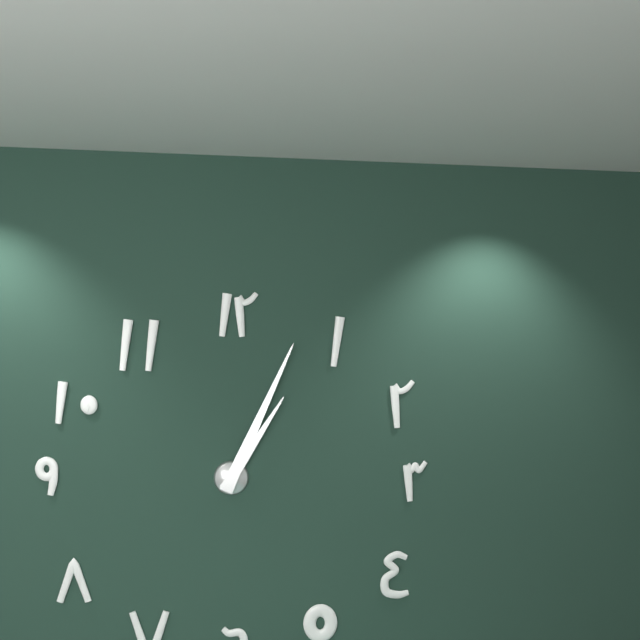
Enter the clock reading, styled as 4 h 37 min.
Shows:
1 h 04 min
